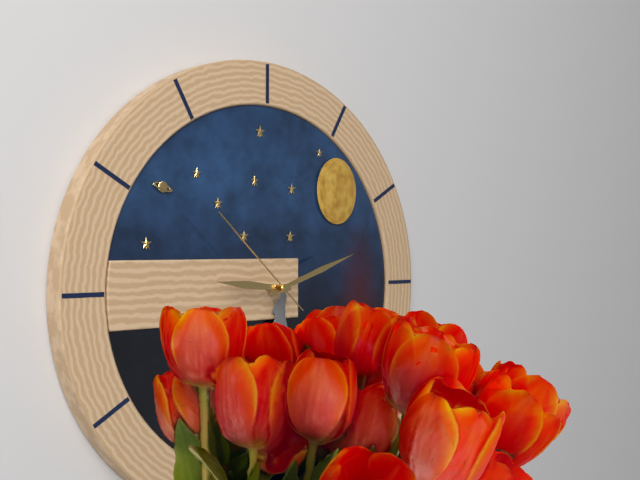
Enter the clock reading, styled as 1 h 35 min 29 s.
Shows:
9 h 12 min 52 s
